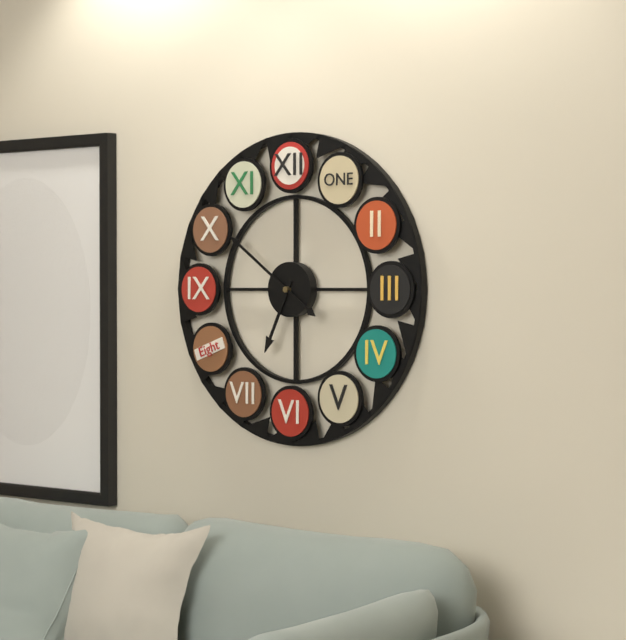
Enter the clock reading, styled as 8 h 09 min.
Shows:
6 h 51 min
